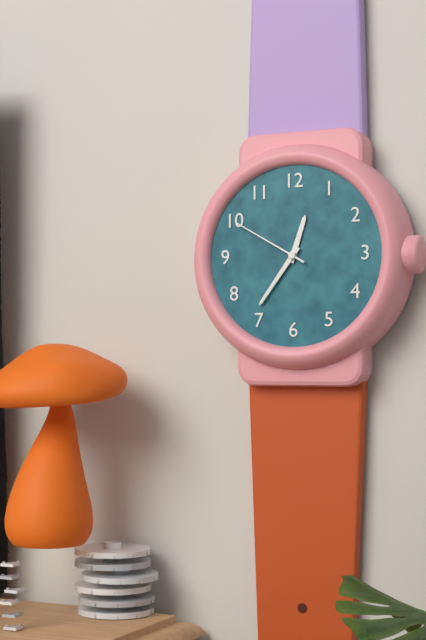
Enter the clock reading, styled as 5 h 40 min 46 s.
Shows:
12 h 36 min 50 s
